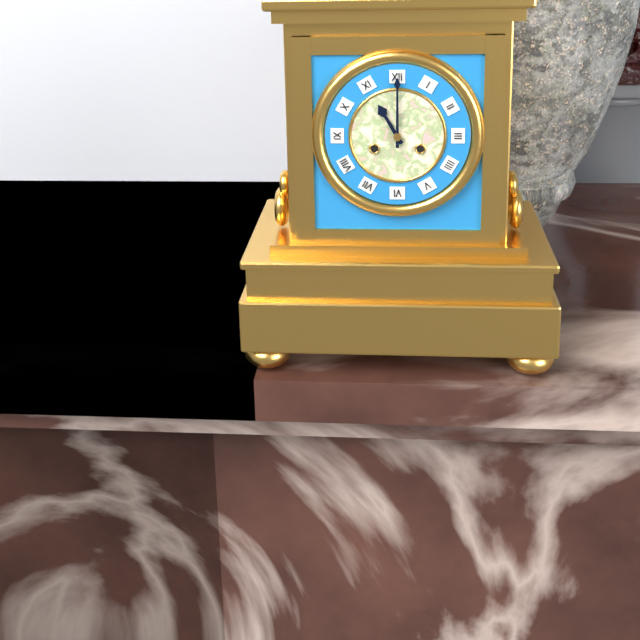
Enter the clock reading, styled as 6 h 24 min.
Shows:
11 h 00 min
